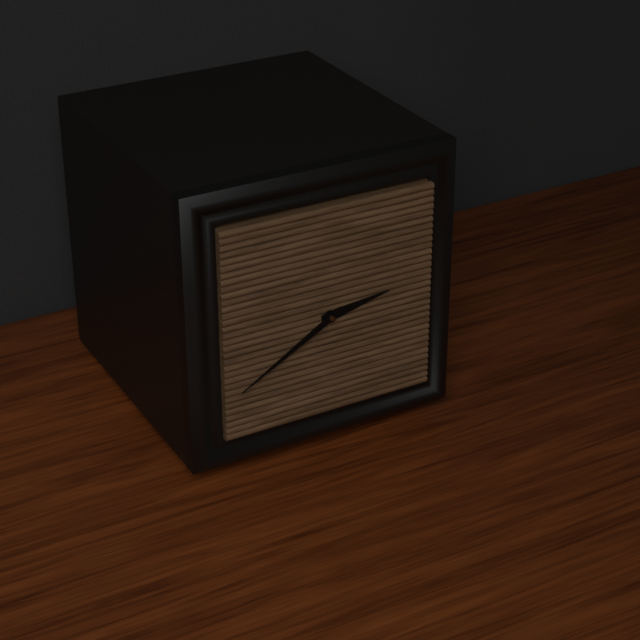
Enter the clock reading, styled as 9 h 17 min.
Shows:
2 h 40 min
